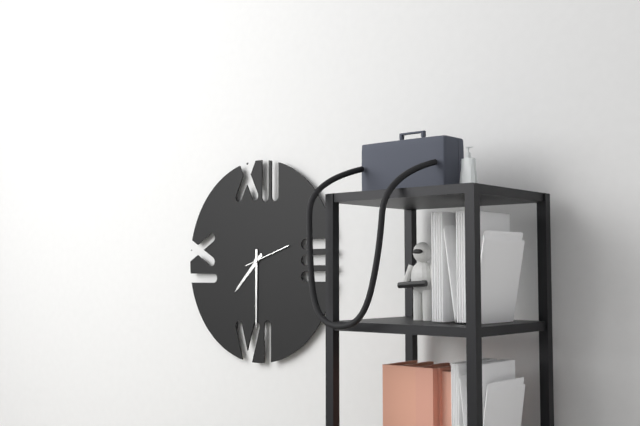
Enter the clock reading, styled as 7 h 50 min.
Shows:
7 h 30 min
